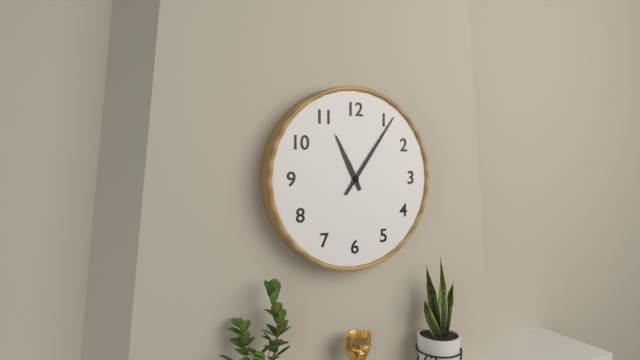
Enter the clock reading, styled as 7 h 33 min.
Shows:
11 h 06 min
